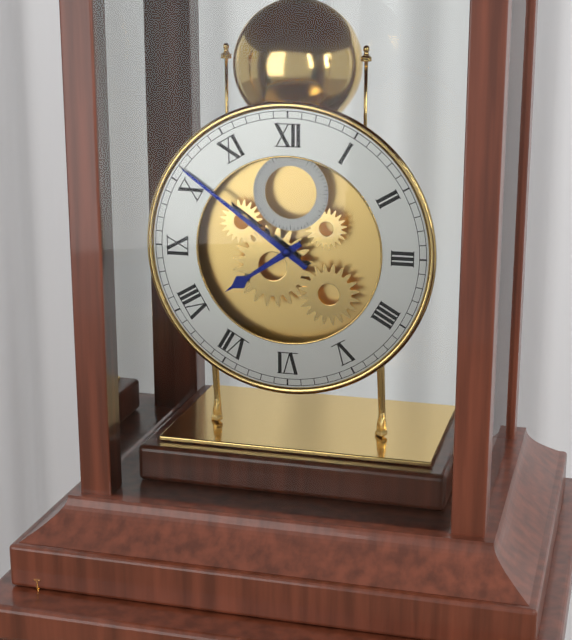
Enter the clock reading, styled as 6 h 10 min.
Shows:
7 h 51 min
